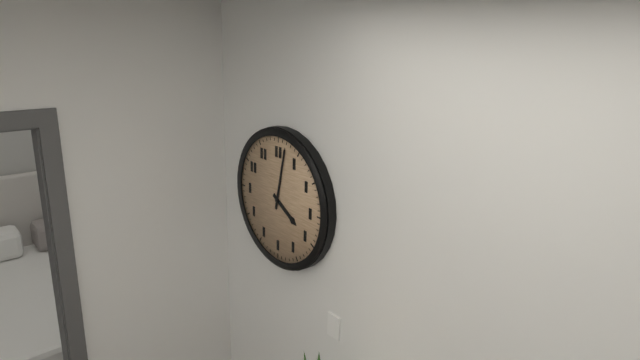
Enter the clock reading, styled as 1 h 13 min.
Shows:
4 h 02 min
